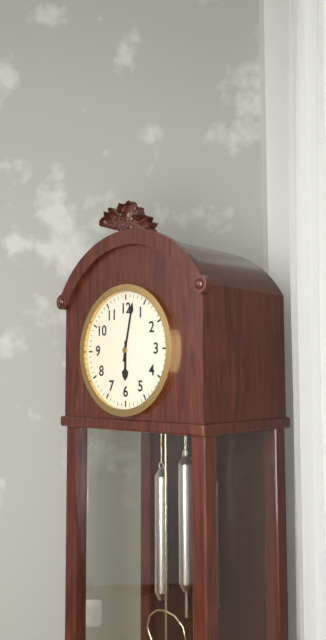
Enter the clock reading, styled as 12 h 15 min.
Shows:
6 h 02 min
